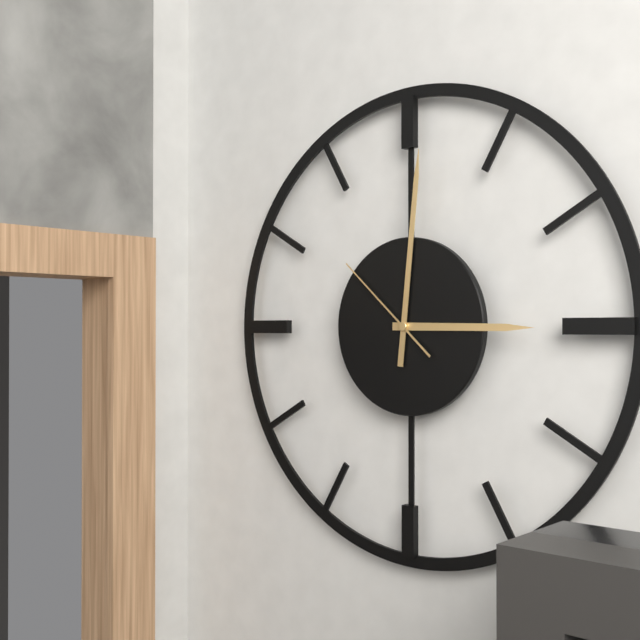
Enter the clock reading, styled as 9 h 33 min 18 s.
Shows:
3 h 01 min 52 s
